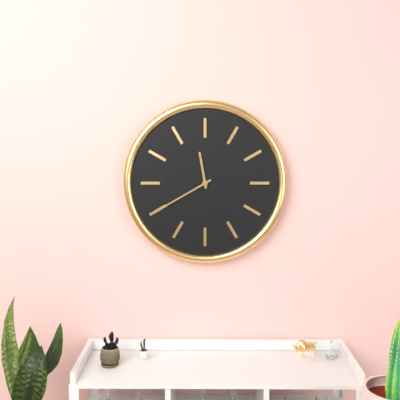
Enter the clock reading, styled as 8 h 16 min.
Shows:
11 h 40 min
